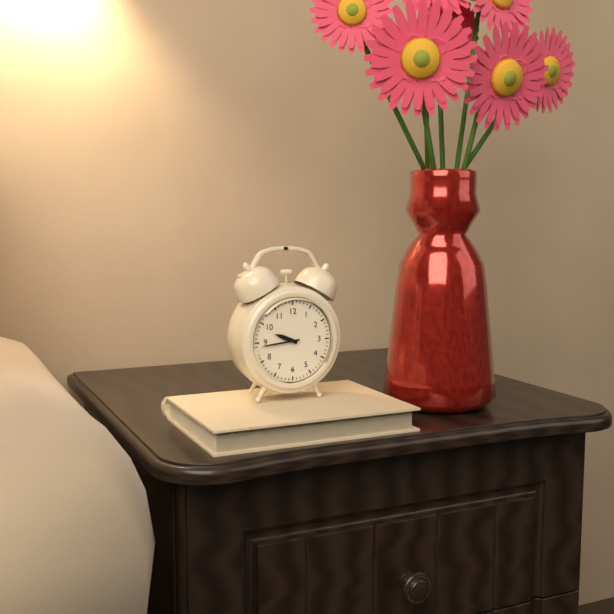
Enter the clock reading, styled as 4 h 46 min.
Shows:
9 h 44 min
